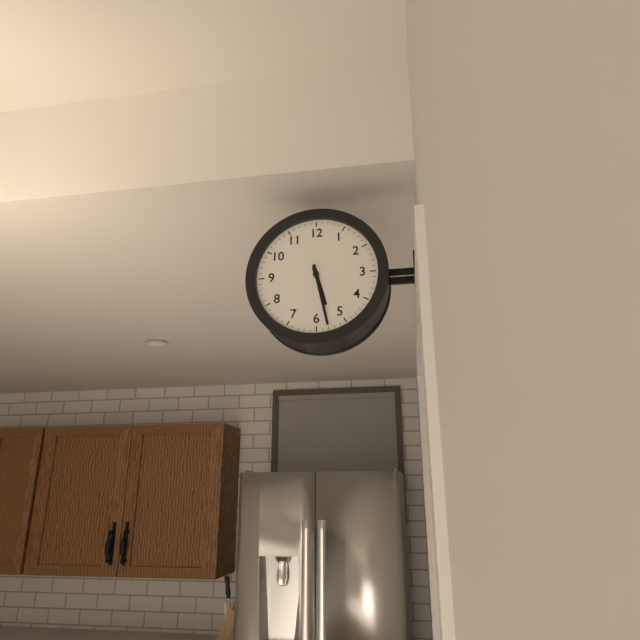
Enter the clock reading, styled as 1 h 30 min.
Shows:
5 h 28 min
